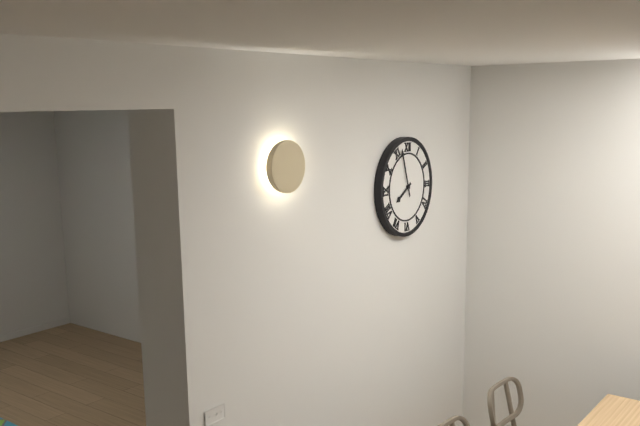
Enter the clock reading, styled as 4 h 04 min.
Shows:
7 h 57 min
